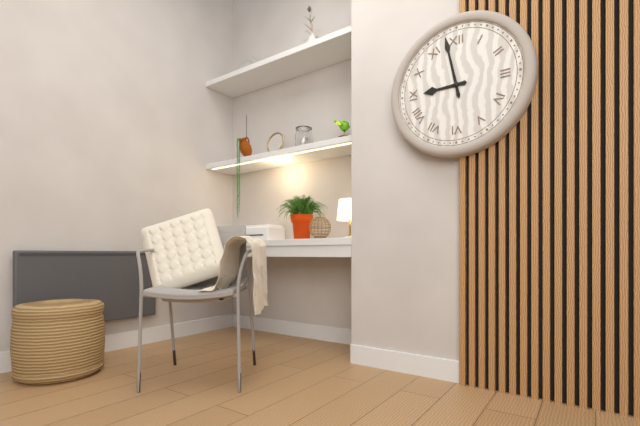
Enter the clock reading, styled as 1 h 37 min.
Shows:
8 h 58 min
